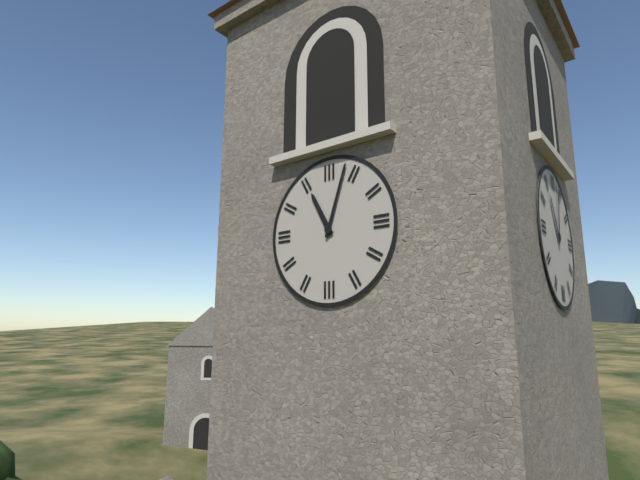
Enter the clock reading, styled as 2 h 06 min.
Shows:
11 h 03 min
